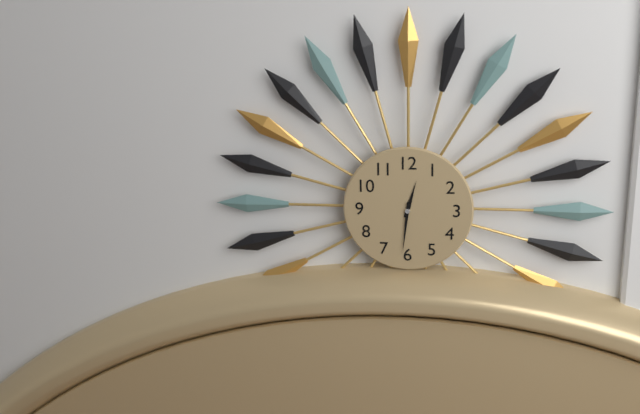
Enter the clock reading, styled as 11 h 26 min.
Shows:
12 h 31 min
